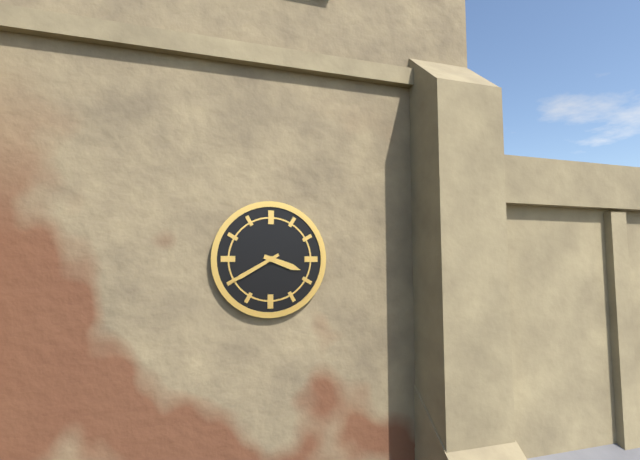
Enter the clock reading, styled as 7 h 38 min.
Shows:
3 h 40 min
